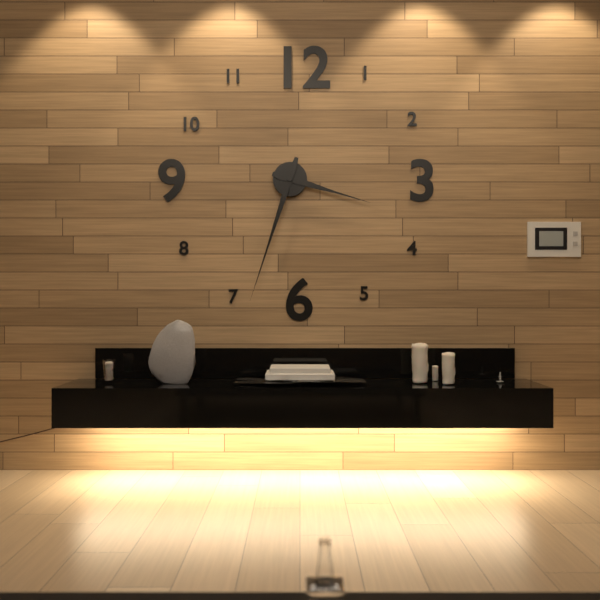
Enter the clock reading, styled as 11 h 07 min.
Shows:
3 h 33 min
